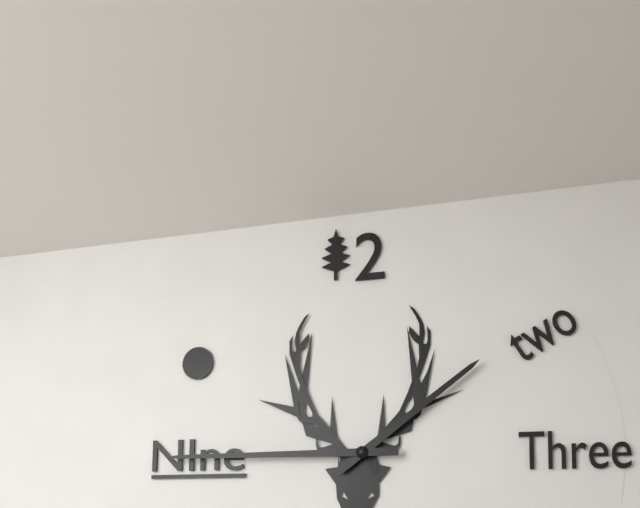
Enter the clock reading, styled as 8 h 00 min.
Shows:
1 h 45 min
